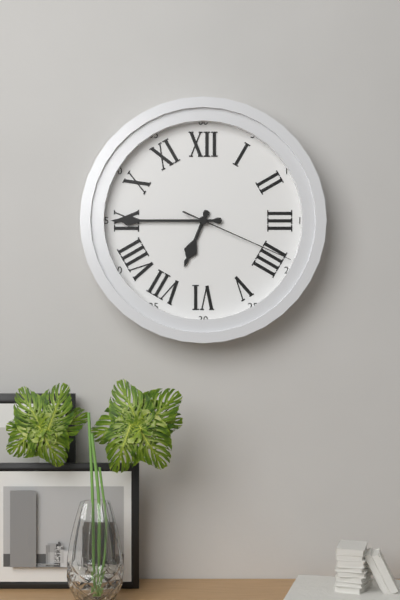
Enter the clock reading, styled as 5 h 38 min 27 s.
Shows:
6 h 45 min 19 s
